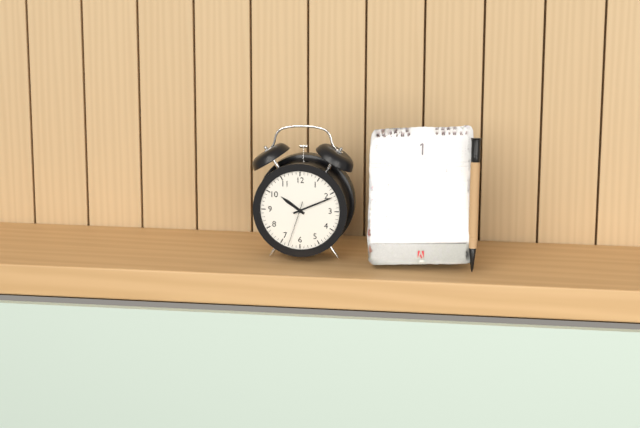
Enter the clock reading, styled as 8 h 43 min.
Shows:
10 h 11 min
